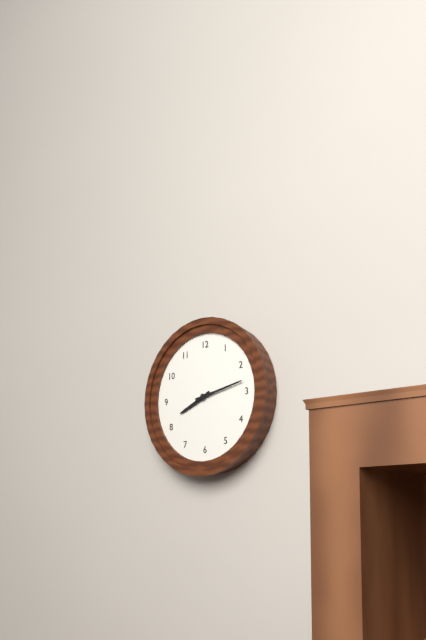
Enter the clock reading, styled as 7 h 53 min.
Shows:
8 h 13 min
